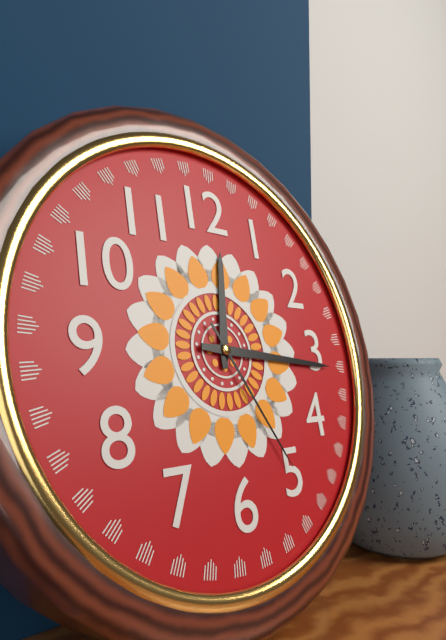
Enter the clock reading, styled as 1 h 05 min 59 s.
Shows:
12 h 16 min 25 s
